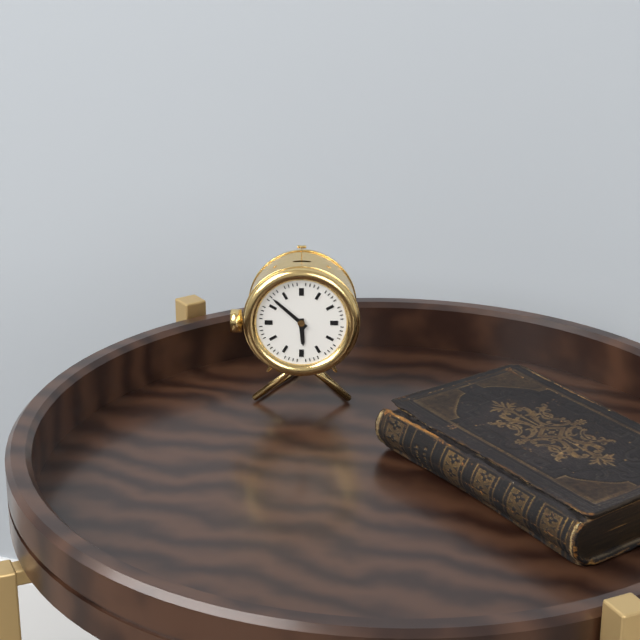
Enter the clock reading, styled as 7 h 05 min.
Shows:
5 h 52 min
